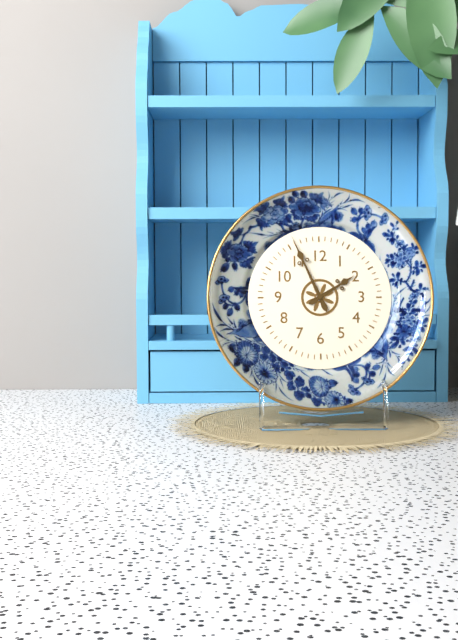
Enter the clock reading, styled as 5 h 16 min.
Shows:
1 h 56 min
